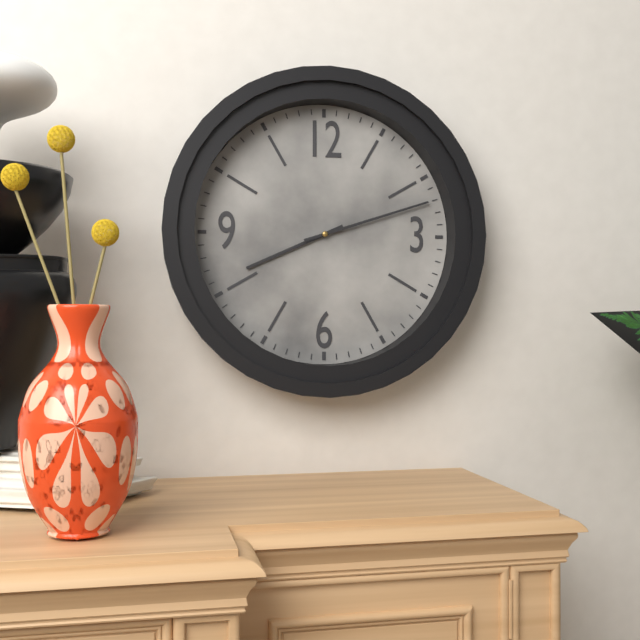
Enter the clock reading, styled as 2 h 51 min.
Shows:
8 h 12 min
